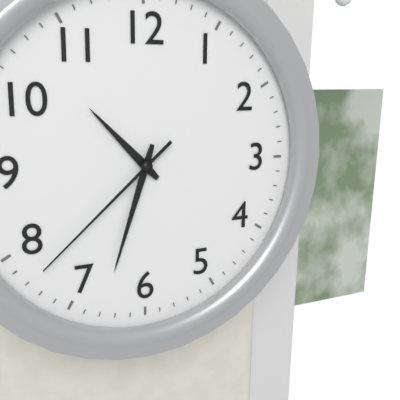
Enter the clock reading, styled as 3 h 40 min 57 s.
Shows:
10 h 33 min 38 s
